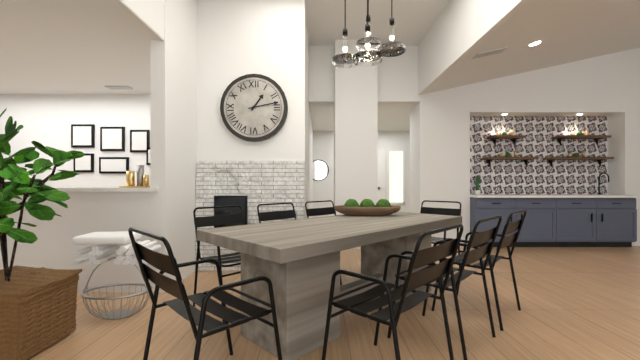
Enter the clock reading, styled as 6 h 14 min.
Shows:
1 h 13 min
